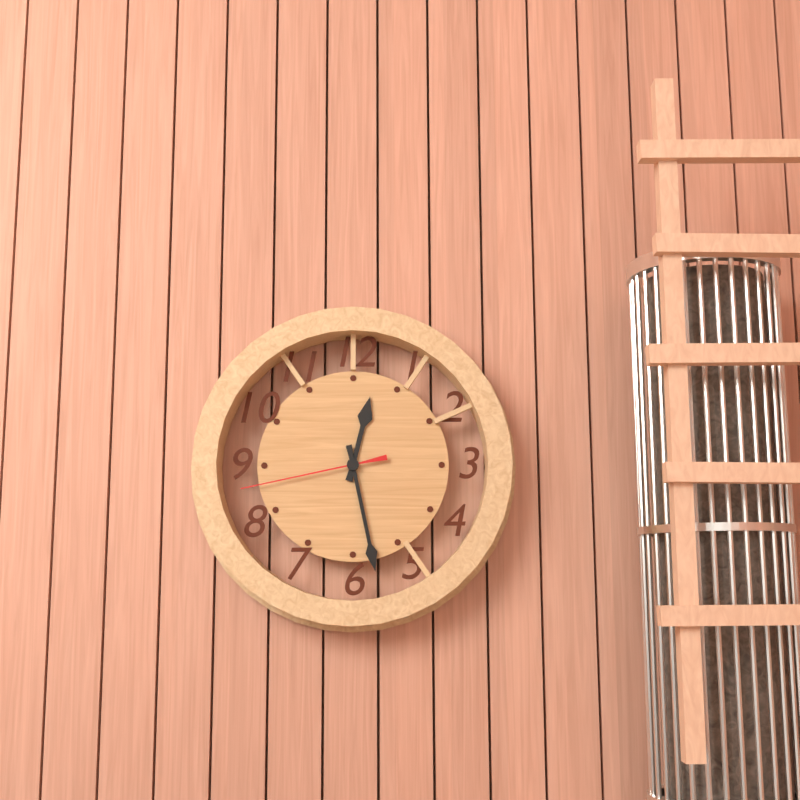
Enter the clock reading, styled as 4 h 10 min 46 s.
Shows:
12 h 28 min 43 s
